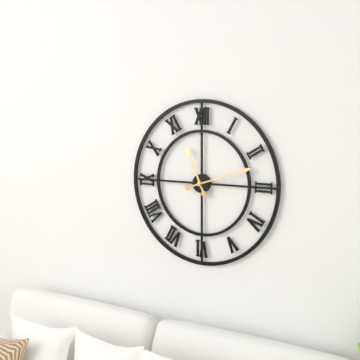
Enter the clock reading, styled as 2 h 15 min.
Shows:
11 h 12 min
